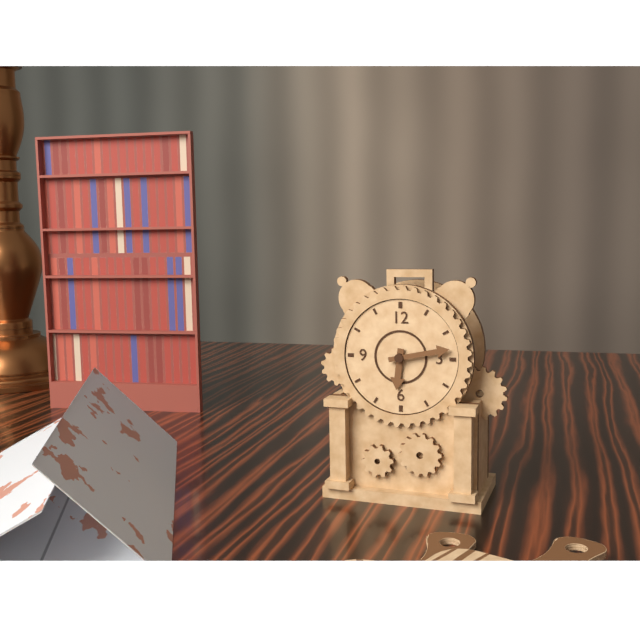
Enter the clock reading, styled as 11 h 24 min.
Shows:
6 h 13 min
